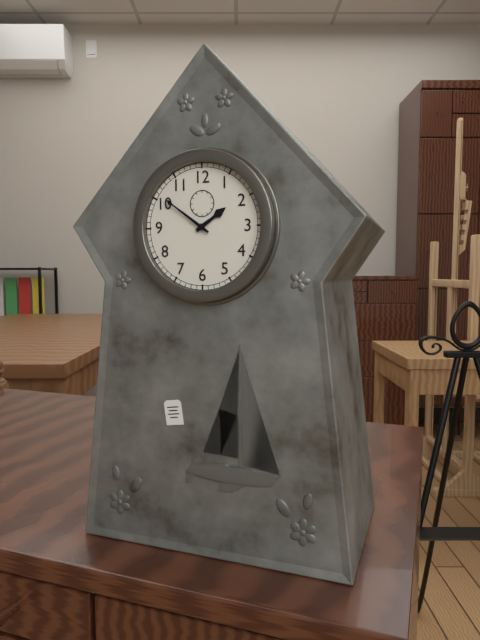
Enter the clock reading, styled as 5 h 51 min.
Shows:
1 h 51 min
